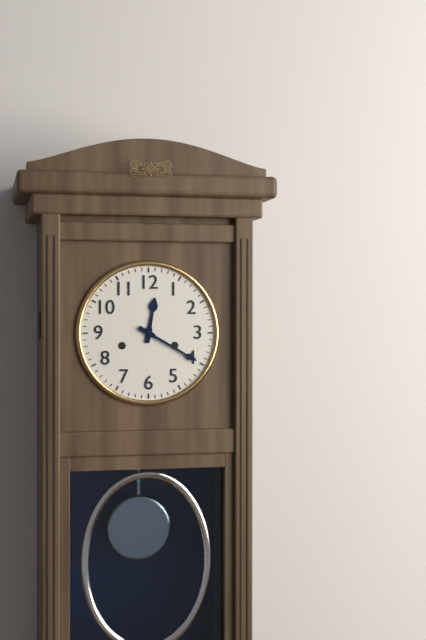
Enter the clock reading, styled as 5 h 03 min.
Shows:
12 h 20 min
